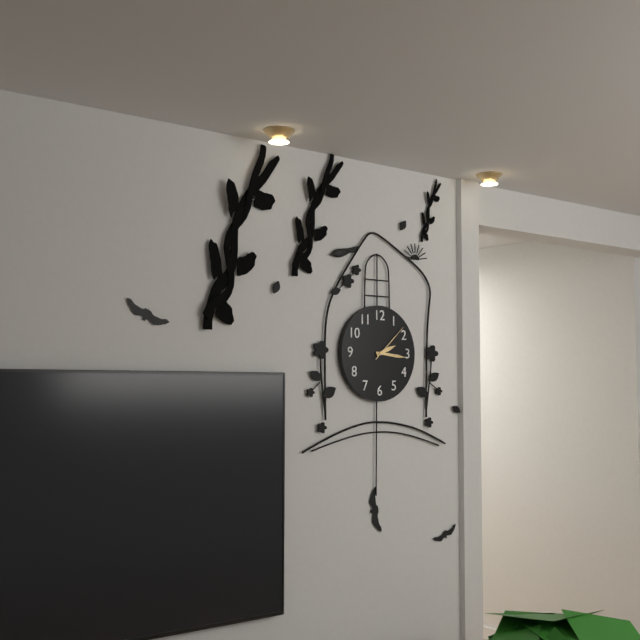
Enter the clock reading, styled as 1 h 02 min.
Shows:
2 h 16 min
